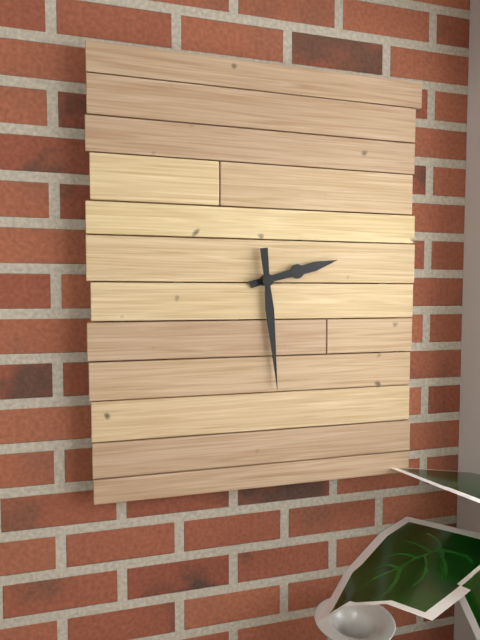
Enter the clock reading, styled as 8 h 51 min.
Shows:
2 h 29 min
